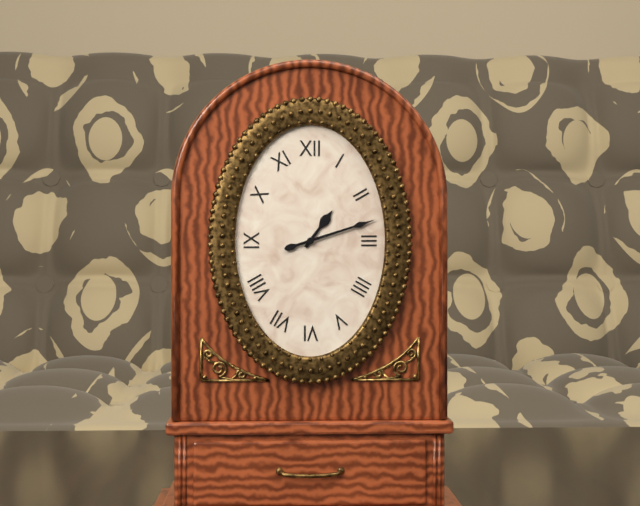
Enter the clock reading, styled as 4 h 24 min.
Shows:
1 h 12 min
